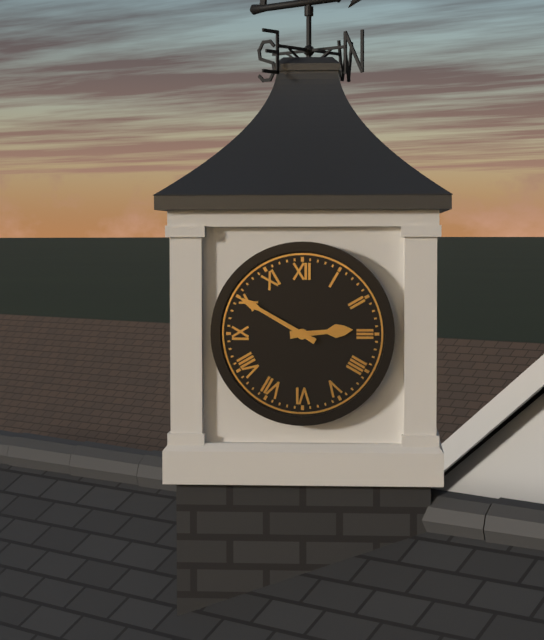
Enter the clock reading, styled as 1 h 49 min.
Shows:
2 h 50 min
